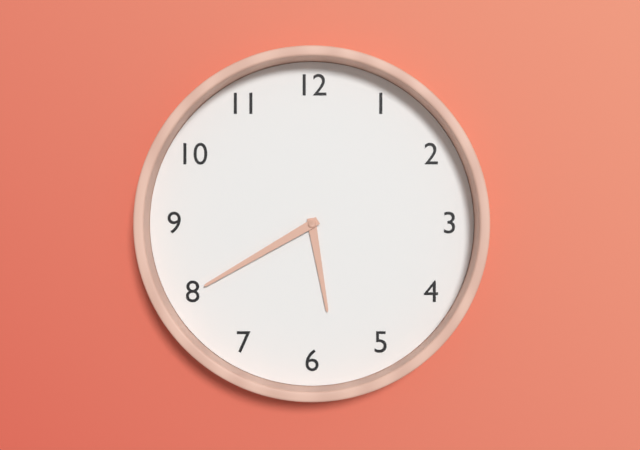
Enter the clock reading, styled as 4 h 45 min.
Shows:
5 h 40 min
